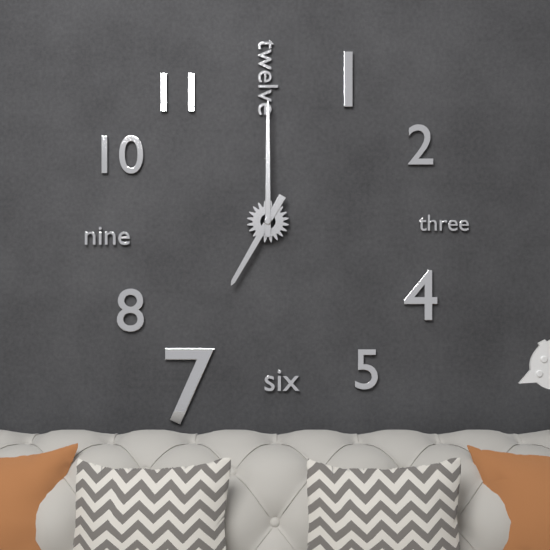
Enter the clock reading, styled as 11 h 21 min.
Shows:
7 h 00 min
